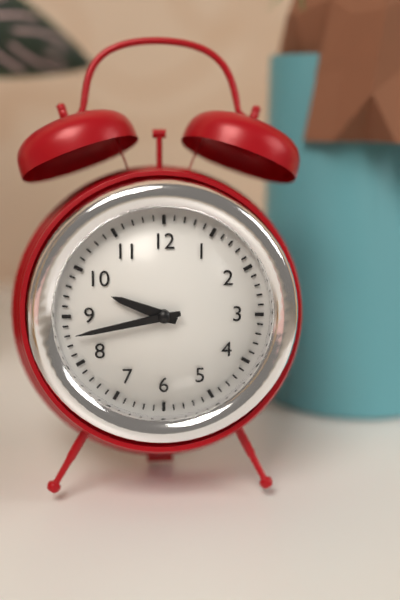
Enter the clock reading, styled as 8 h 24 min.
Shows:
9 h 43 min
